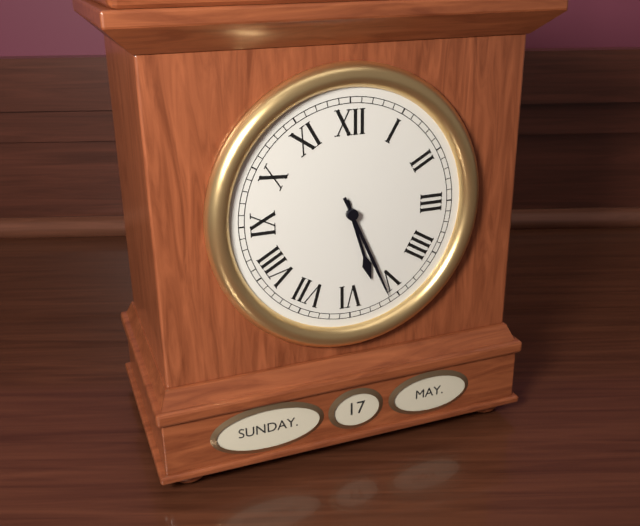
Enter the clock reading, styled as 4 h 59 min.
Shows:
5 h 26 min
